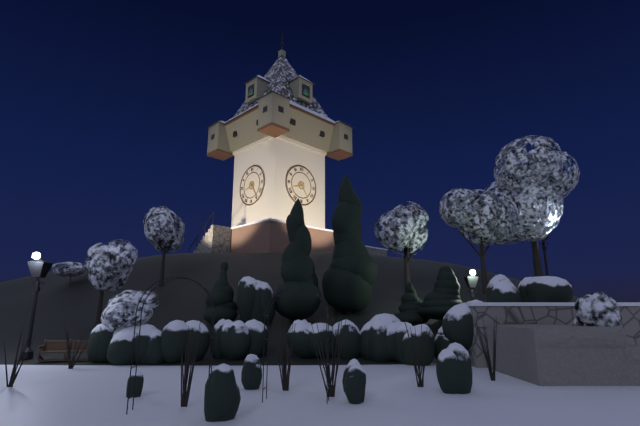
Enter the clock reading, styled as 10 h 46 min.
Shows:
8 h 24 min
